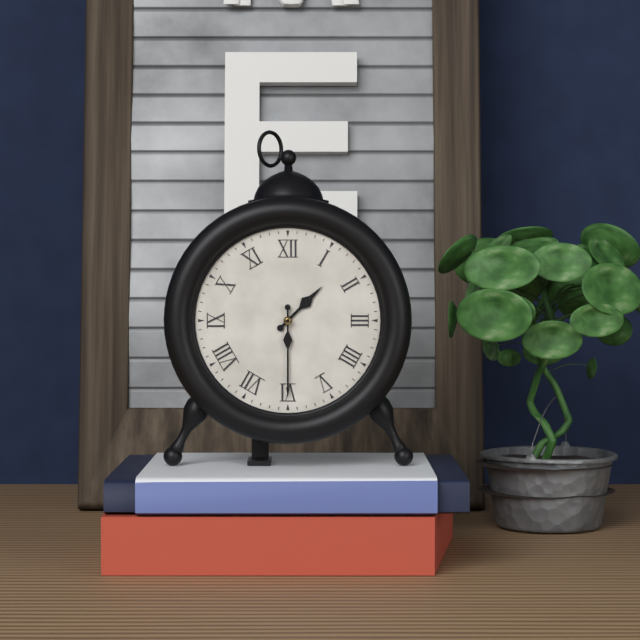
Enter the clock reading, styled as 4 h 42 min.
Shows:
1 h 30 min
